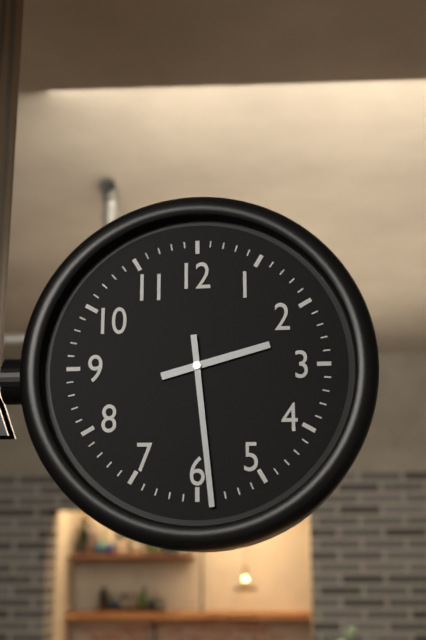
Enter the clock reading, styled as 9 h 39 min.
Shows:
2 h 29 min
